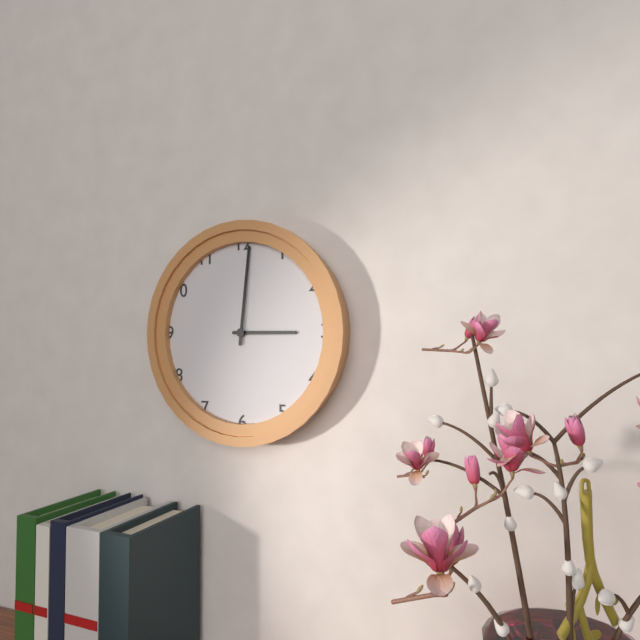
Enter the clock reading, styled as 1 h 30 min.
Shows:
3 h 01 min
